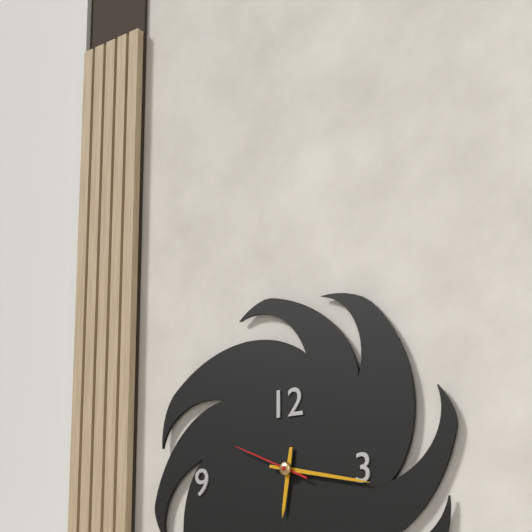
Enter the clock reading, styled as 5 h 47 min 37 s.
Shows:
6 h 17 min 49 s
